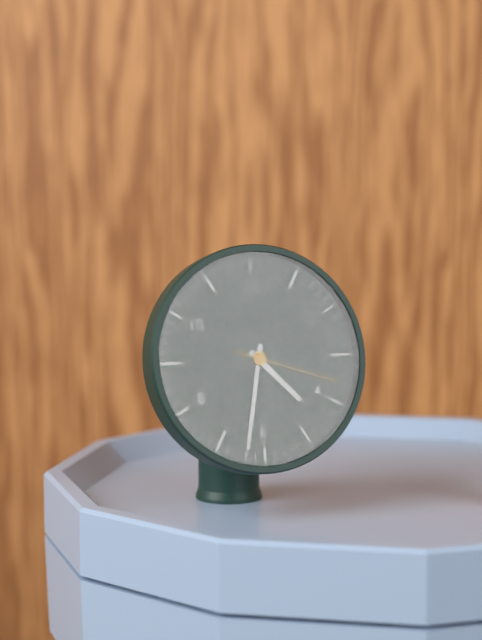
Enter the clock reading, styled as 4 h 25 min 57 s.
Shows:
4 h 32 min 18 s
